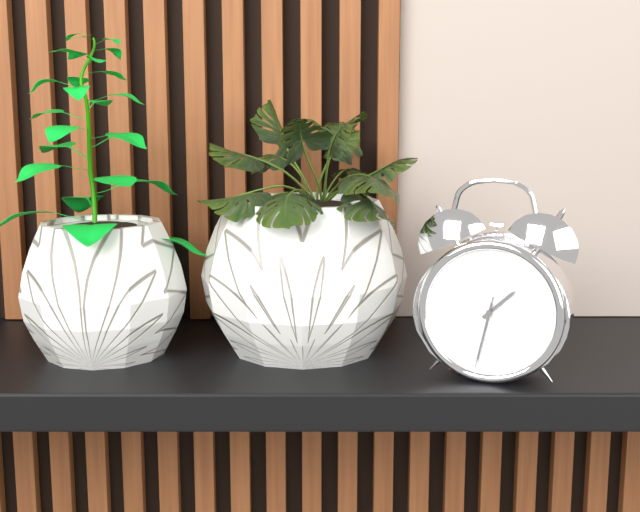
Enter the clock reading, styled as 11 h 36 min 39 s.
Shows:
1 h 32 min 32 s
